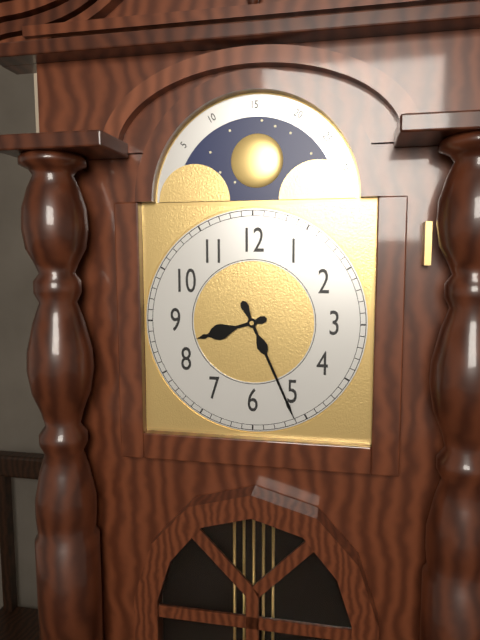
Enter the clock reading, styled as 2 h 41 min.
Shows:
8 h 26 min
